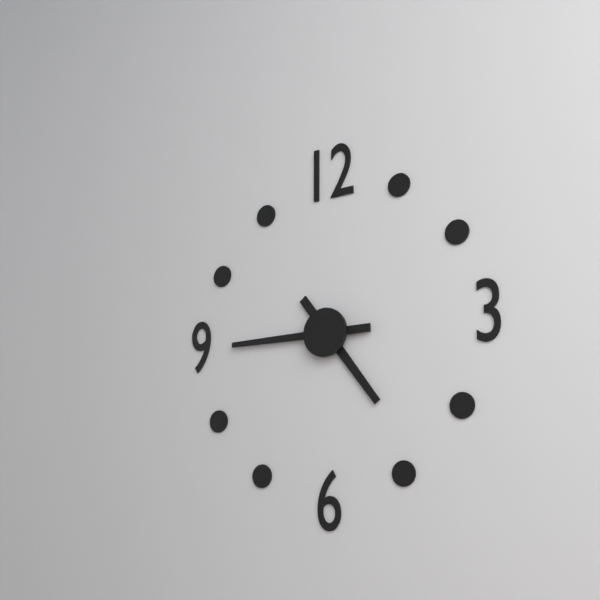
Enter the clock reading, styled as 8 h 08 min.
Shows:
4 h 45 min
